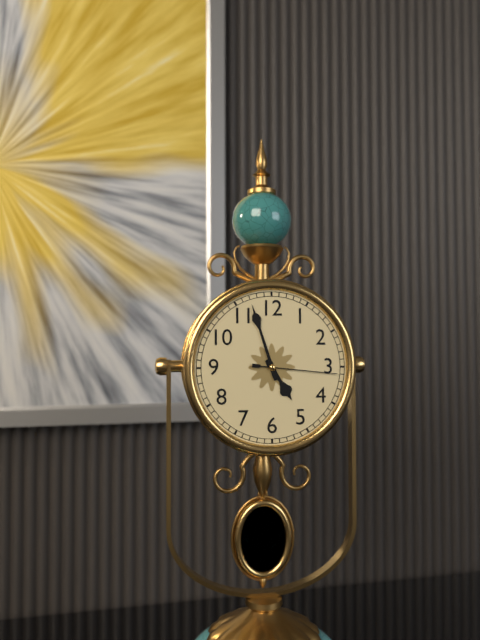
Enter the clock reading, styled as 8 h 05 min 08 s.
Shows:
4 h 57 min 16 s
